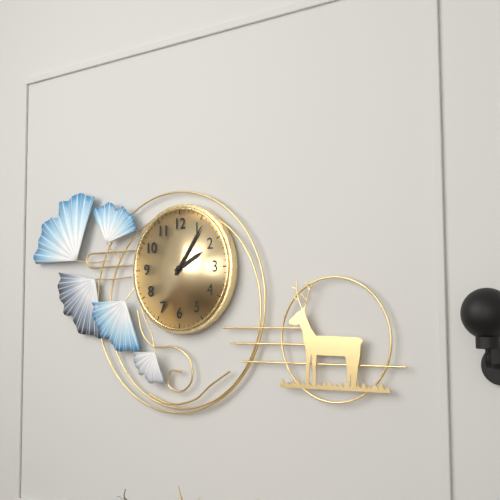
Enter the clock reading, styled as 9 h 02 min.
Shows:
2 h 06 min
